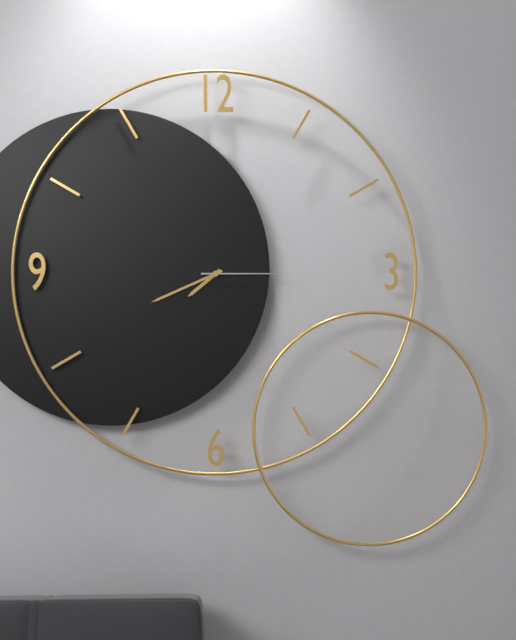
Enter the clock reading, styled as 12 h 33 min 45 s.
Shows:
7 h 41 min 15 s
